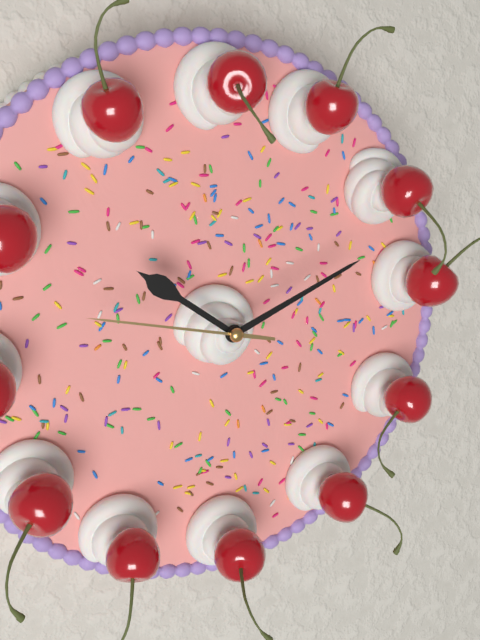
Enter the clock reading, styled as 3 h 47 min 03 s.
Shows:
10 h 11 min 47 s
